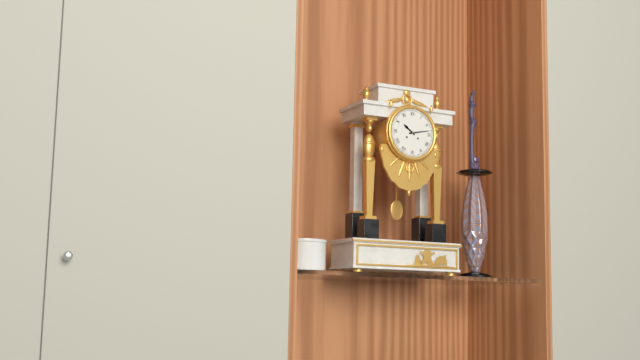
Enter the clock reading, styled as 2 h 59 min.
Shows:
10 h 13 min
